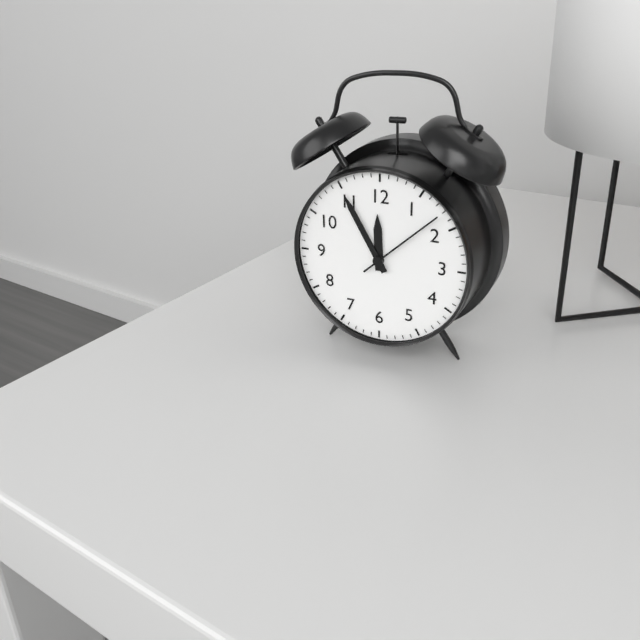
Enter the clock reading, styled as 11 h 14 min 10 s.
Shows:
11 h 55 min 08 s
